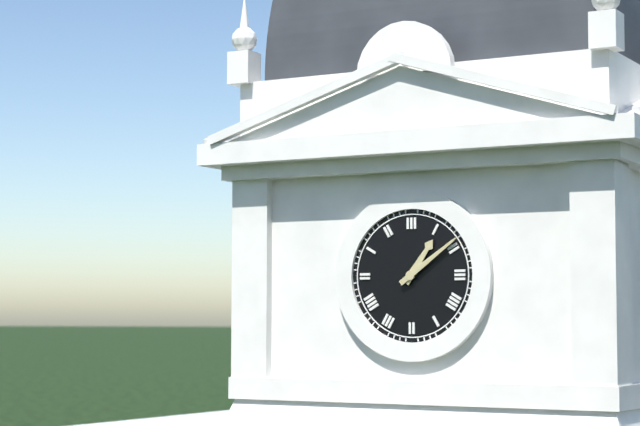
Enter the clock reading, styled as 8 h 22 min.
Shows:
1 h 09 min
